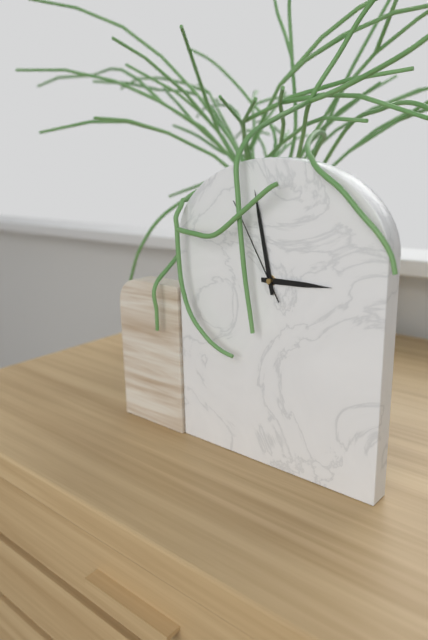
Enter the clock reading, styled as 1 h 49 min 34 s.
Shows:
2 h 58 min 55 s
